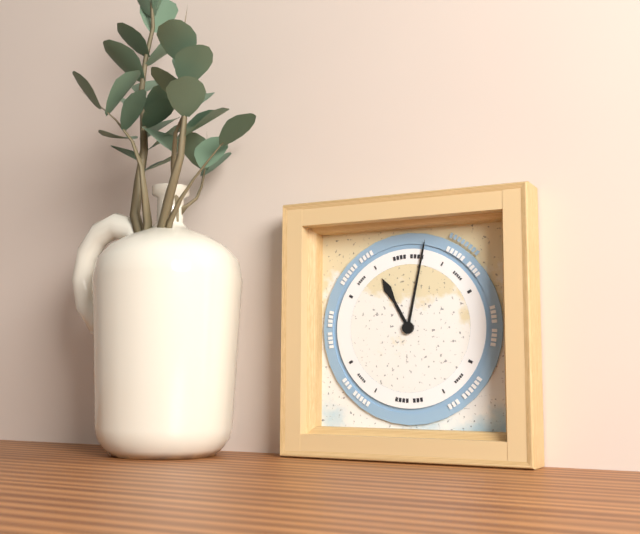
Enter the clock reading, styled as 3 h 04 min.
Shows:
11 h 02 min
